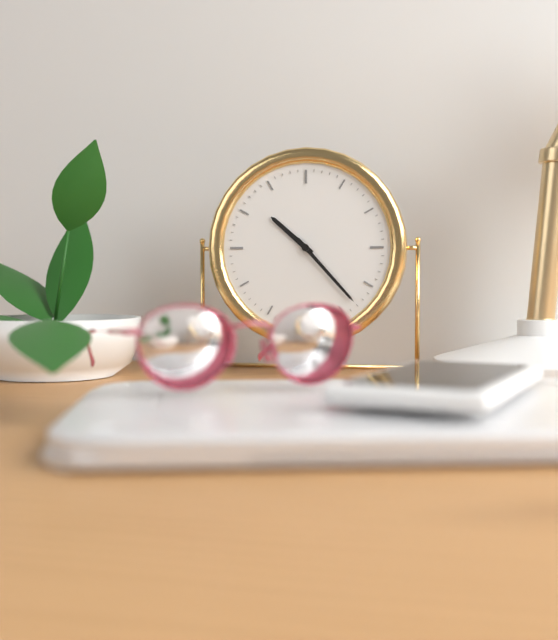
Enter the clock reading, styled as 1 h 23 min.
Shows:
10 h 23 min
